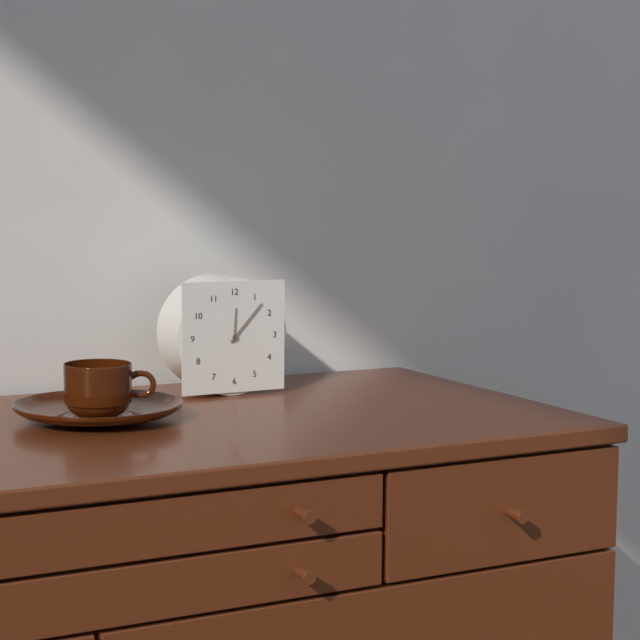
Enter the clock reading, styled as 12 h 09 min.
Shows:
12 h 07 min
